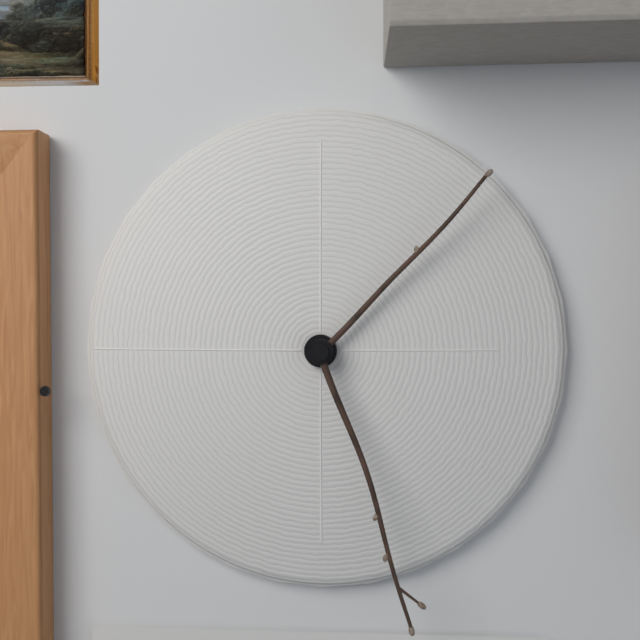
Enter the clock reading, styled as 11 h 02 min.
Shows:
1 h 27 min
